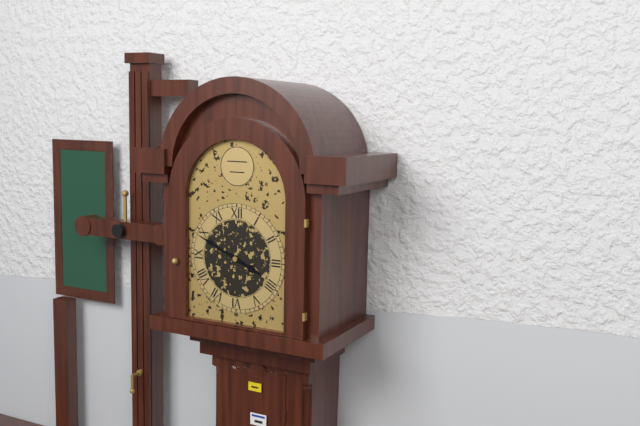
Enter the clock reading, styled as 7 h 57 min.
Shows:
3 h 49 min
